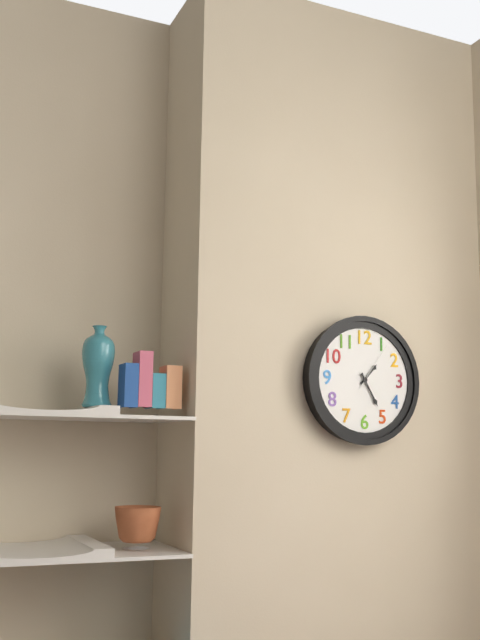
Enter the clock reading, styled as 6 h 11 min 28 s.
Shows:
1 h 25 min 06 s
